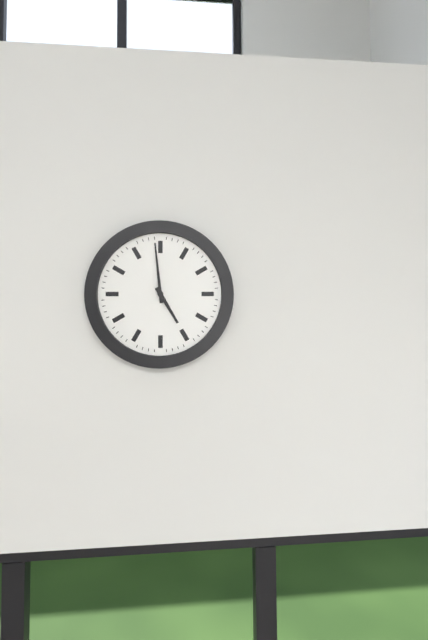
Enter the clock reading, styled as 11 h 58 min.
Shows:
4 h 59 min
